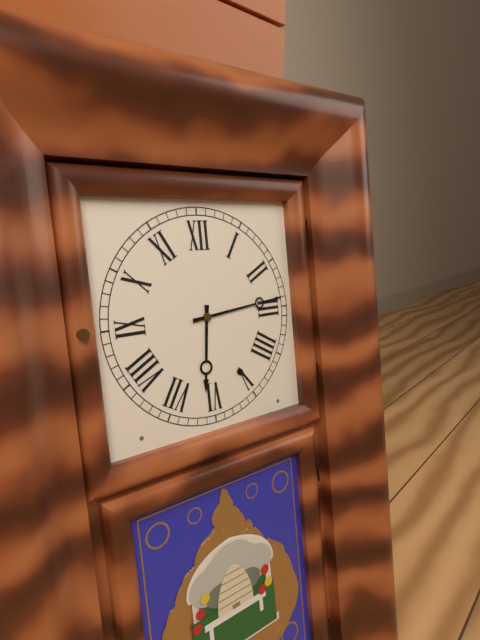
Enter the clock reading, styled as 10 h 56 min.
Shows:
6 h 14 min
